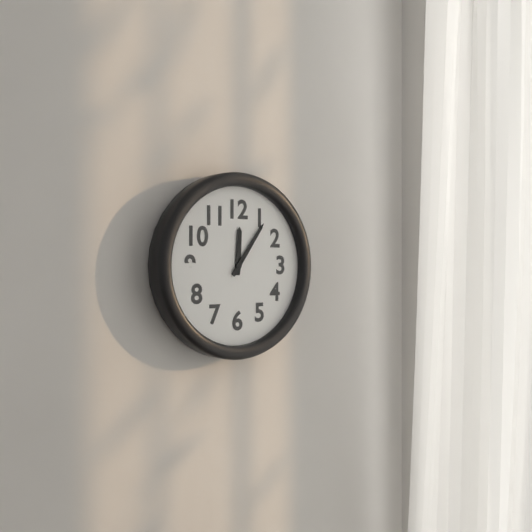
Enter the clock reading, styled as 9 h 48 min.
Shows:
12 h 06 min
